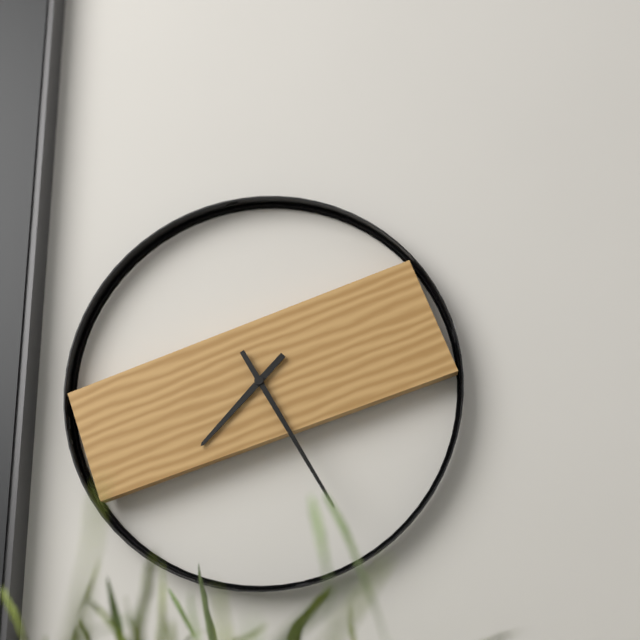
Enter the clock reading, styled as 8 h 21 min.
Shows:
7 h 25 min
